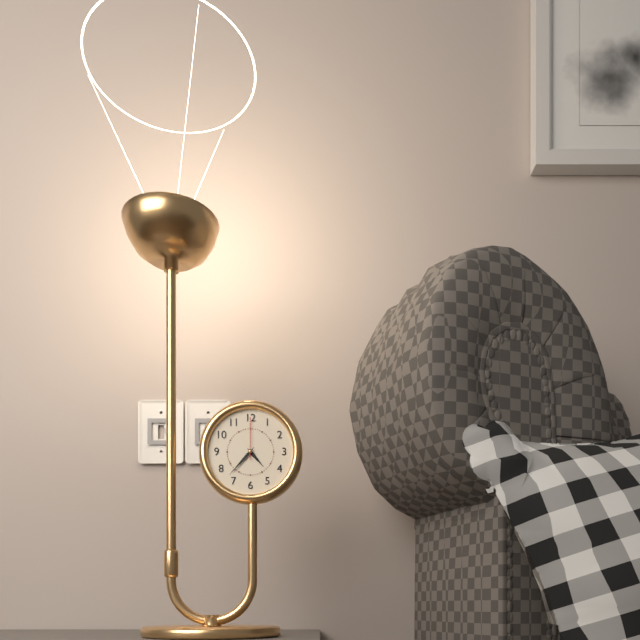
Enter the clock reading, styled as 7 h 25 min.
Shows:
4 h 37 min
